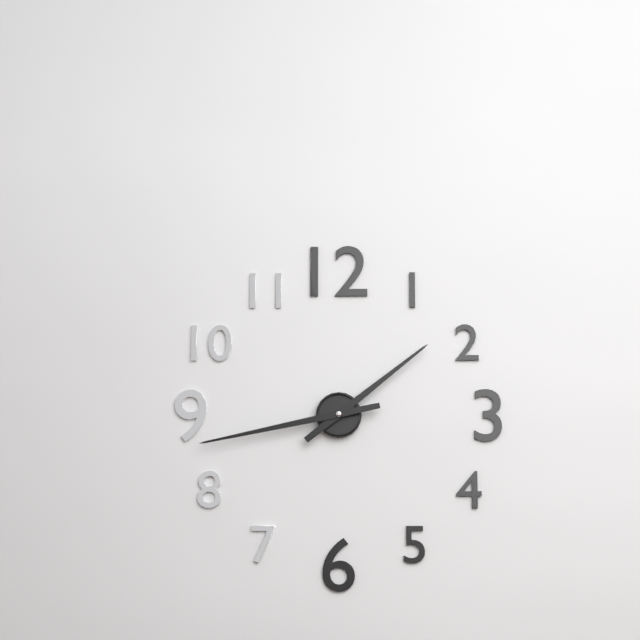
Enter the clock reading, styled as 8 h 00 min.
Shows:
1 h 43 min
